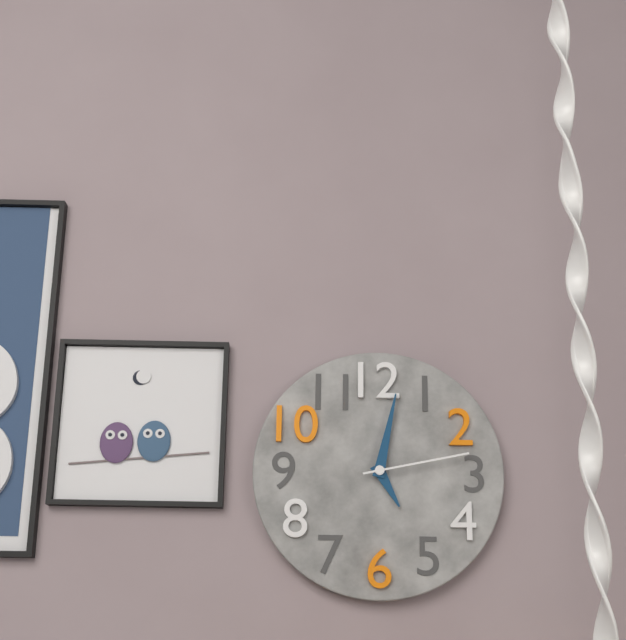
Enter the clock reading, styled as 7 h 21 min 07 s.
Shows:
5 h 02 min 13 s
